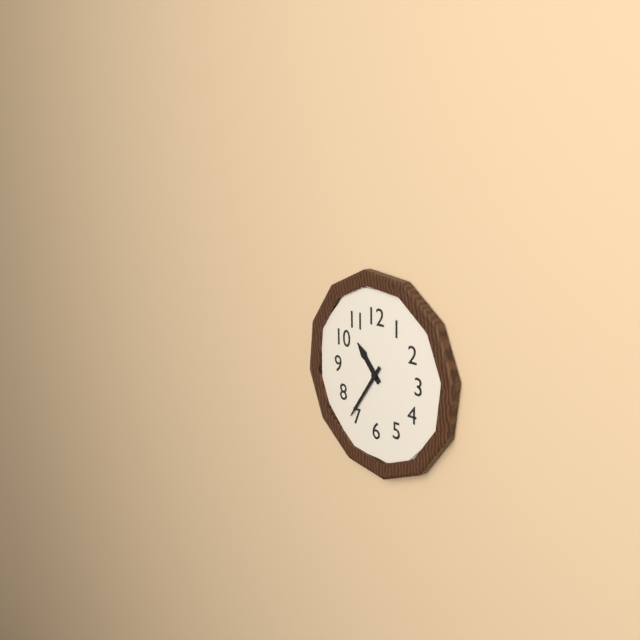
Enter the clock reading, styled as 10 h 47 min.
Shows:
10 h 36 min
